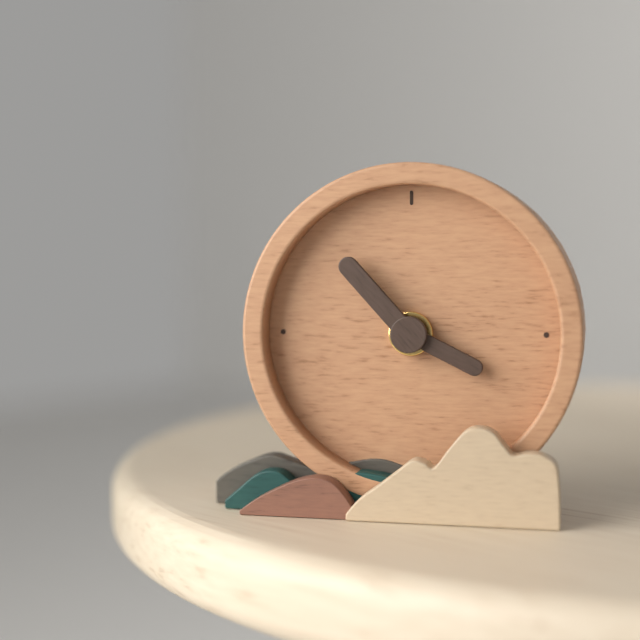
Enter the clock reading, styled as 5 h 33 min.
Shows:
3 h 53 min
